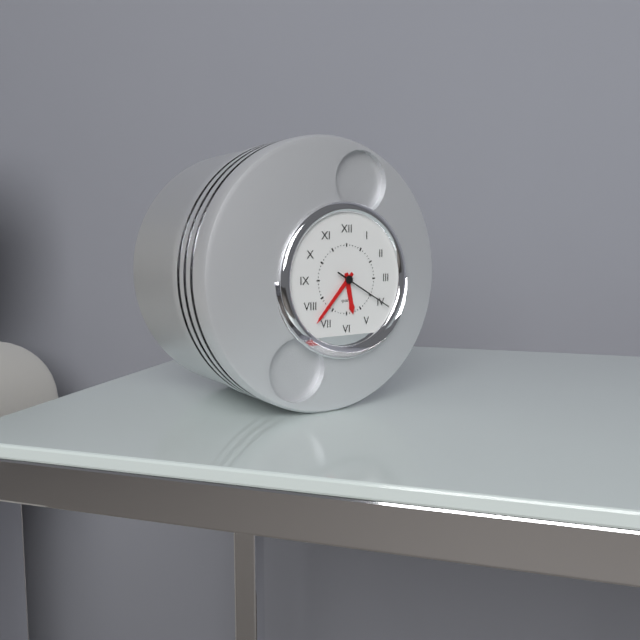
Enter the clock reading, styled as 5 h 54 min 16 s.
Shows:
5 h 37 min 20 s
